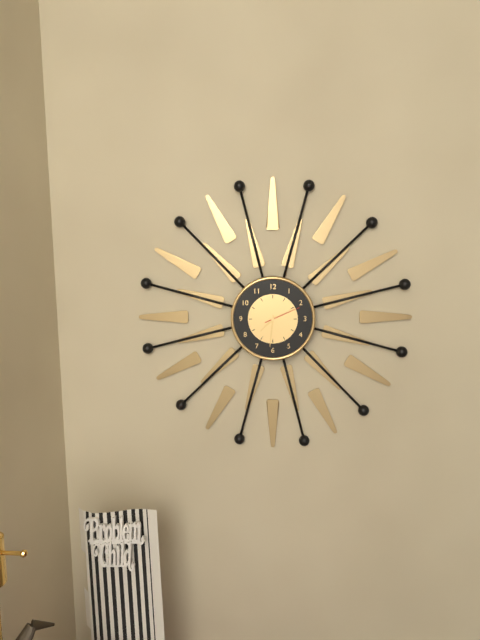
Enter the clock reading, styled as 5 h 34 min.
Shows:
7 h 31 min
